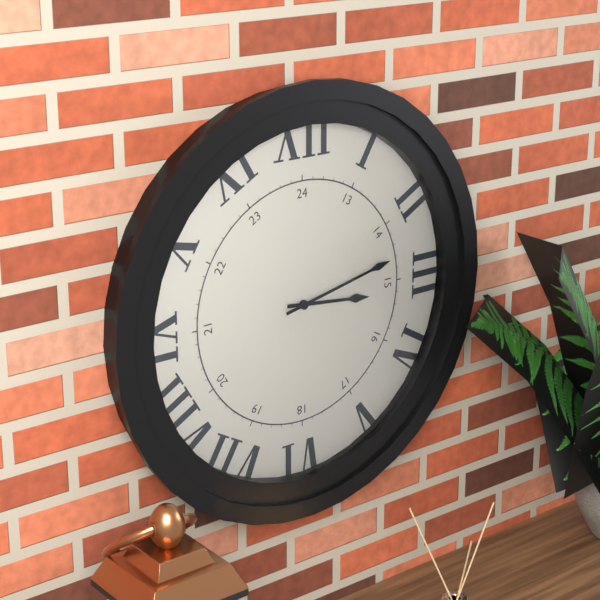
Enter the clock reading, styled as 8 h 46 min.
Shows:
3 h 13 min
